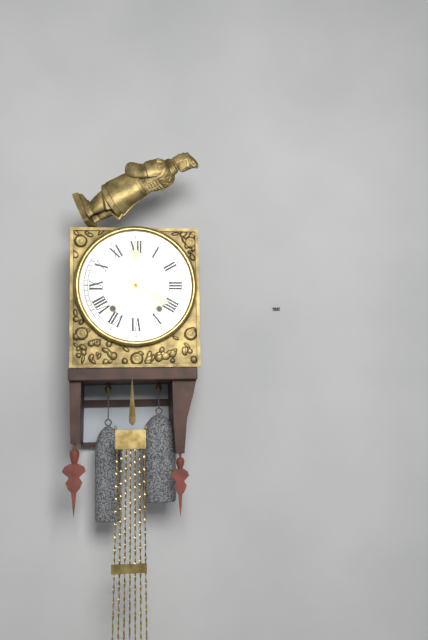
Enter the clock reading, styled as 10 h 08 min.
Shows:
4 h 00 min
